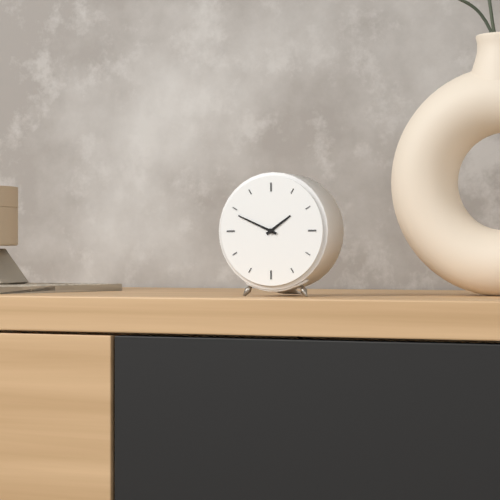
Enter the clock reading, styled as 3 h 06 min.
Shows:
1 h 49 min
